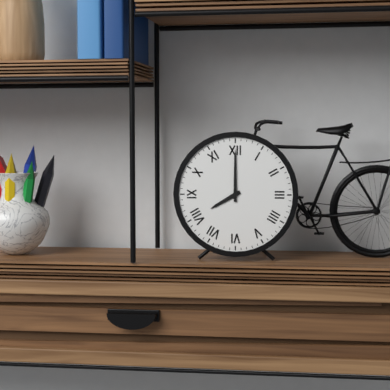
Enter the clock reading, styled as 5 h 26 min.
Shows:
8 h 00 min
